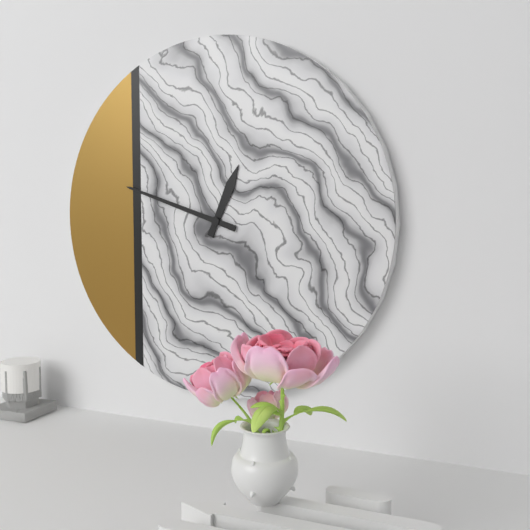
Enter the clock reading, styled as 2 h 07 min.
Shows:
12 h 48 min
